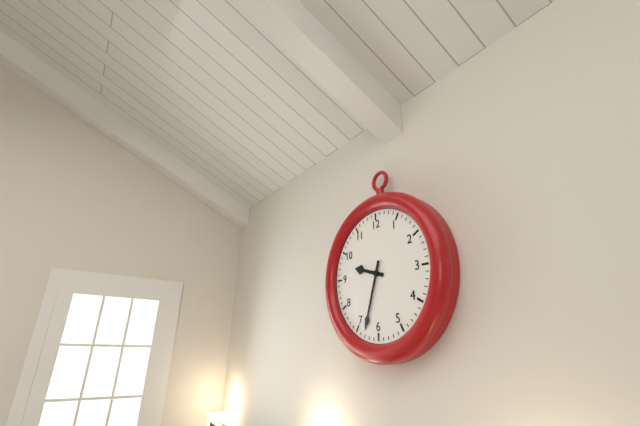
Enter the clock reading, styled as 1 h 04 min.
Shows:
9 h 33 min
